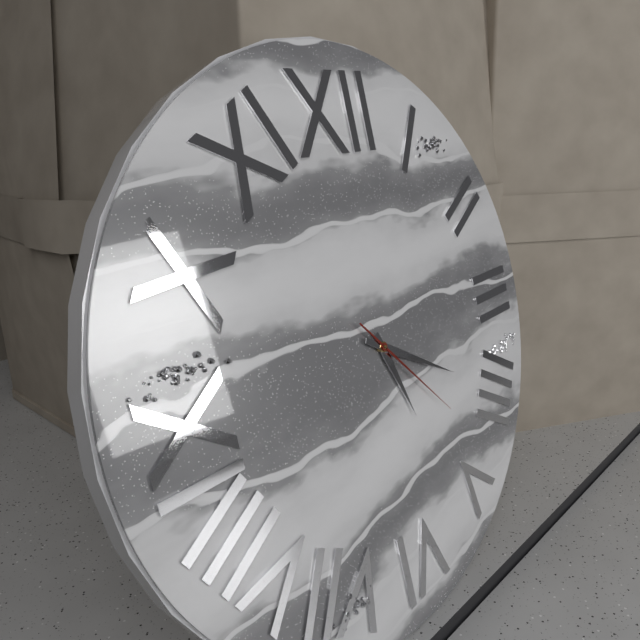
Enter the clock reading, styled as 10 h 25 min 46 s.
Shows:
5 h 20 min 23 s
